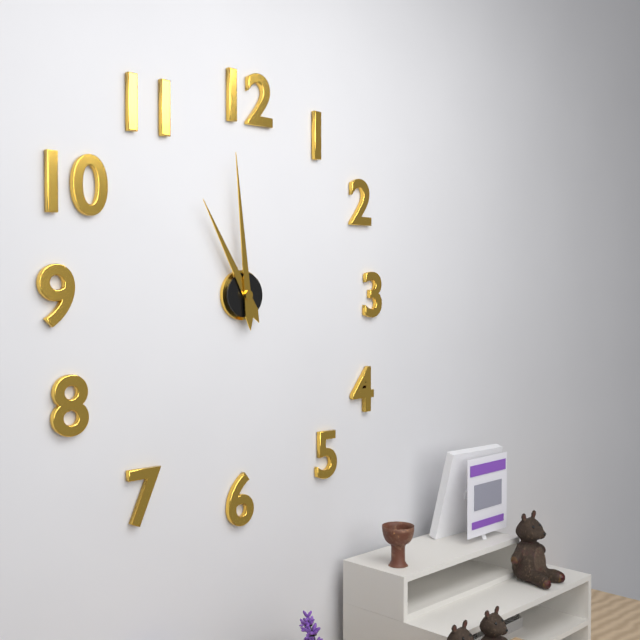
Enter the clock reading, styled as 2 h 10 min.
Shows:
10 h 59 min
